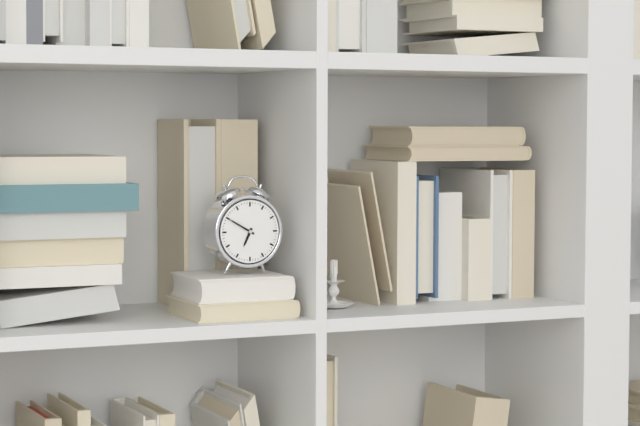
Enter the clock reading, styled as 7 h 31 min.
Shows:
6 h 50 min
